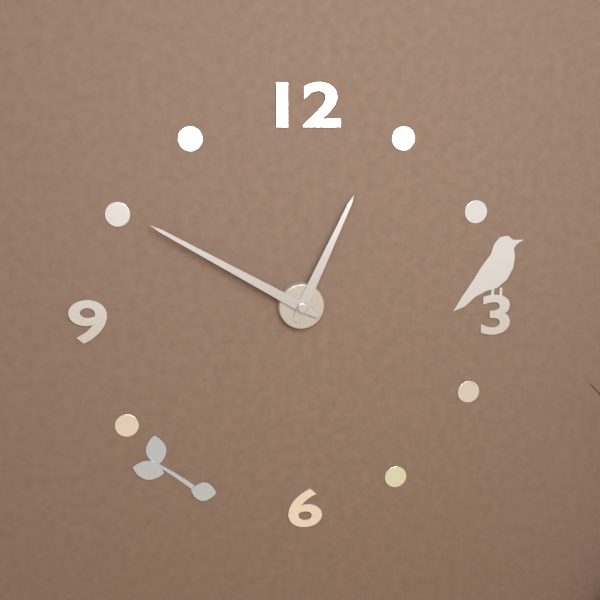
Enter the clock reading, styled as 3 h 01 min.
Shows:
12 h 50 min
